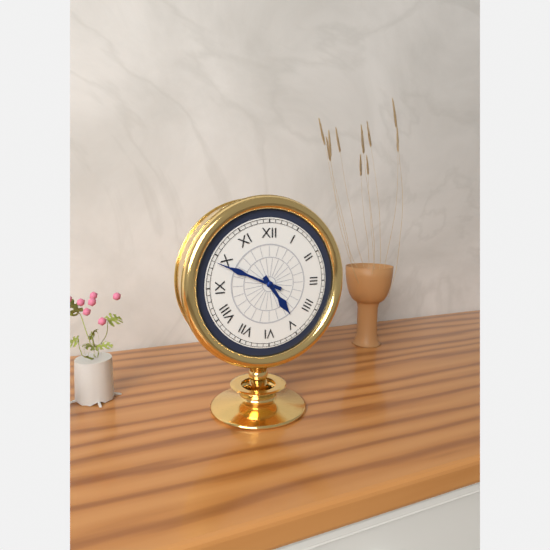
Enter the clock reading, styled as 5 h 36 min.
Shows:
4 h 49 min
